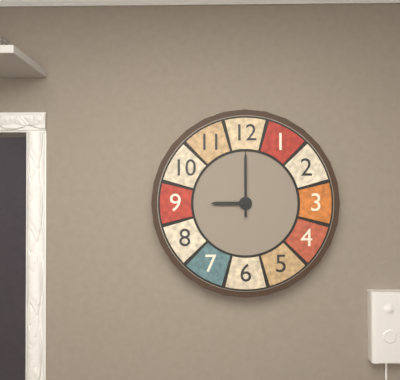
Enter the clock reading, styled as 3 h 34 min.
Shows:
9 h 00 min
